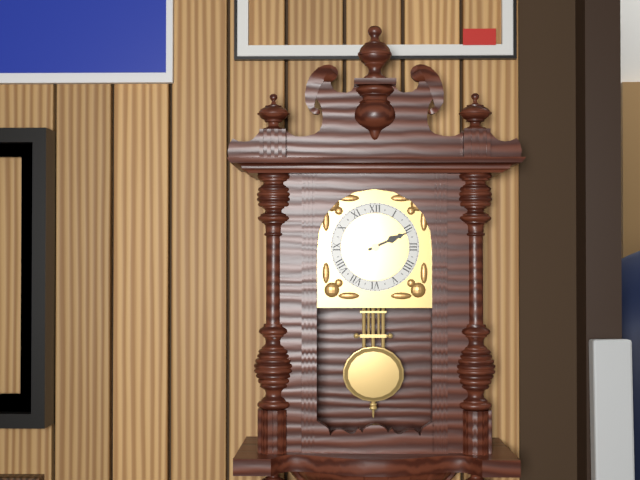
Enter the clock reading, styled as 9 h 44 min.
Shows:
2 h 11 min
